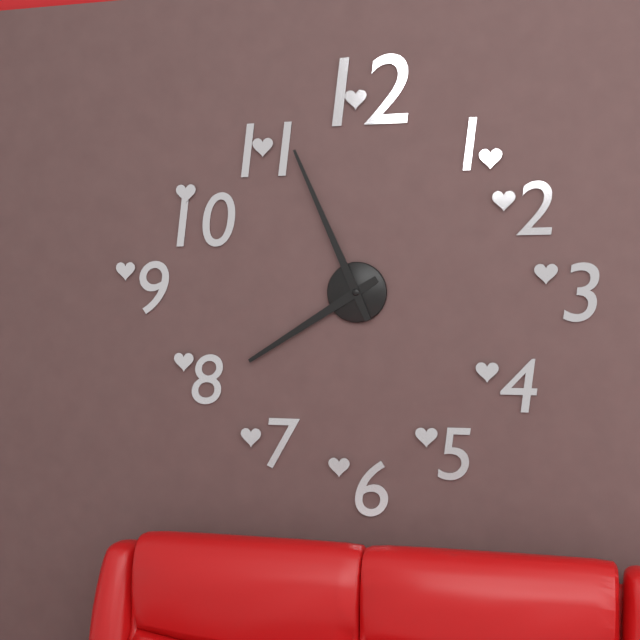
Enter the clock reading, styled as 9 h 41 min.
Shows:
7 h 56 min
